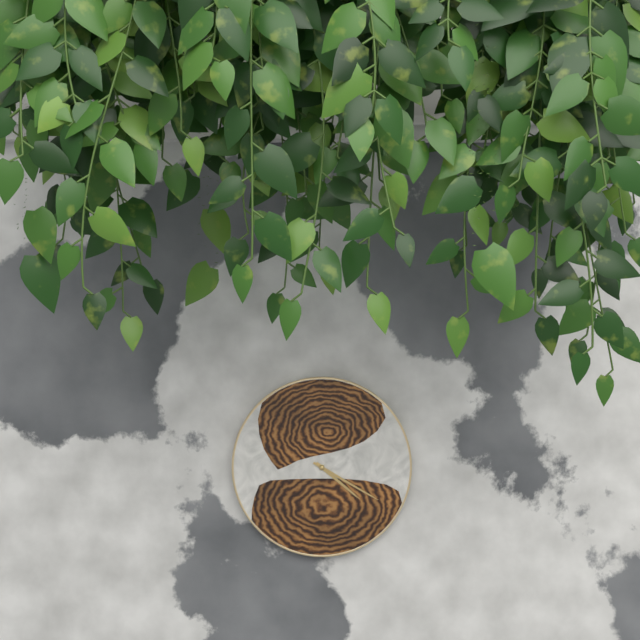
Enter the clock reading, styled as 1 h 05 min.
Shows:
4 h 20 min
